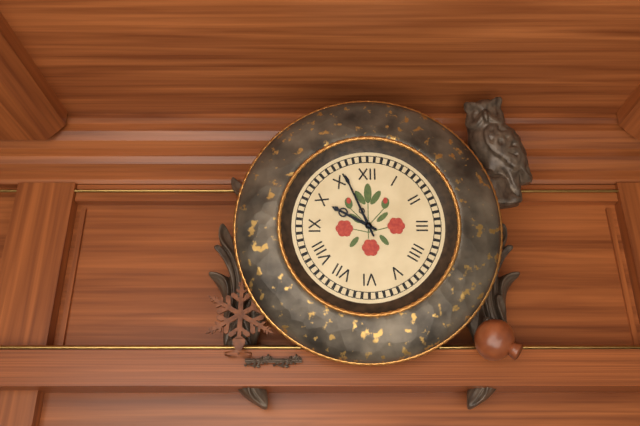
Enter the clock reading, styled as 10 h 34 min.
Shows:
9 h 56 min
